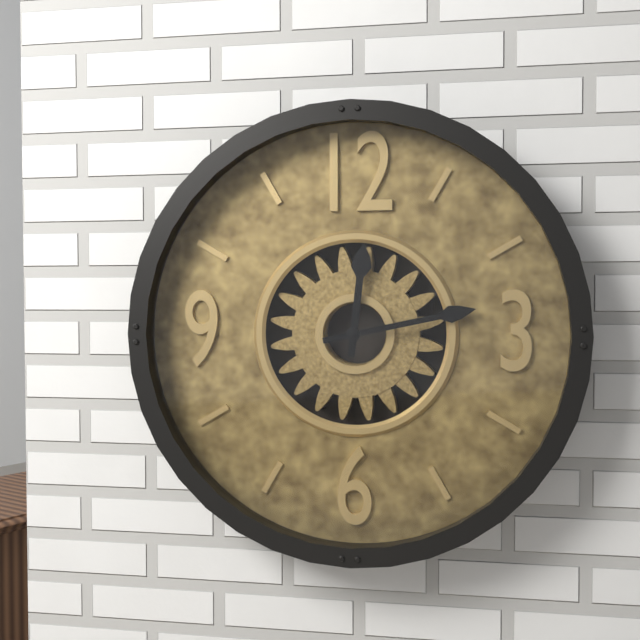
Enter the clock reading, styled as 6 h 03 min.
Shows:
12 h 13 min
